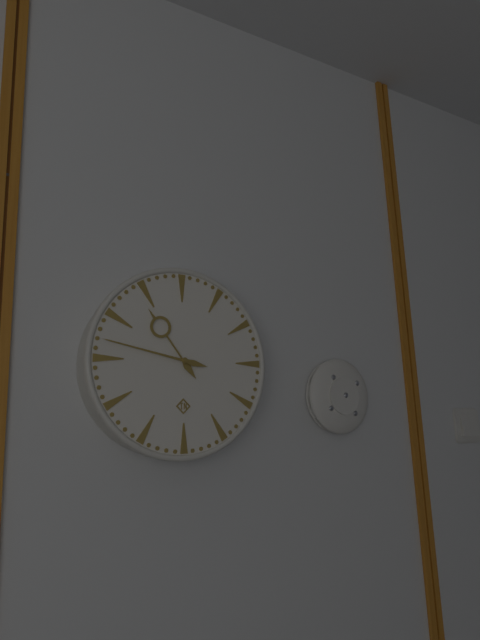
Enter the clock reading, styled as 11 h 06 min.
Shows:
10 h 47 min
